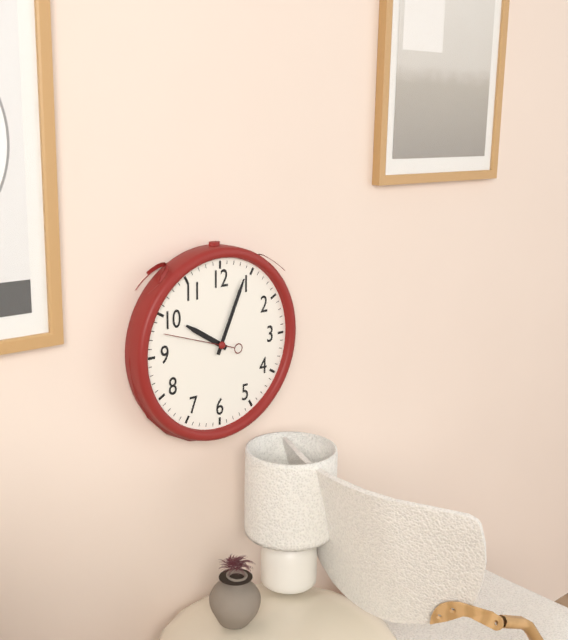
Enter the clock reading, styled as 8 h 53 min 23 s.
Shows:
10 h 04 min 48 s
